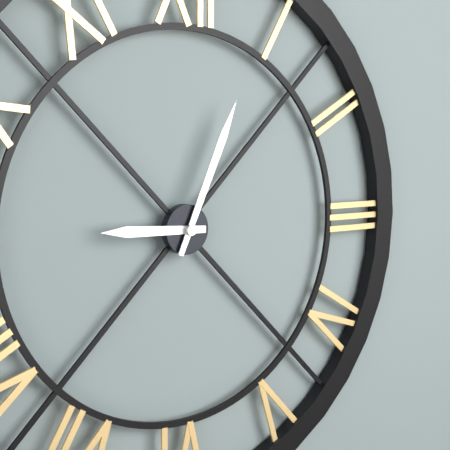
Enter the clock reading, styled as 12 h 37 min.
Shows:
9 h 04 min
